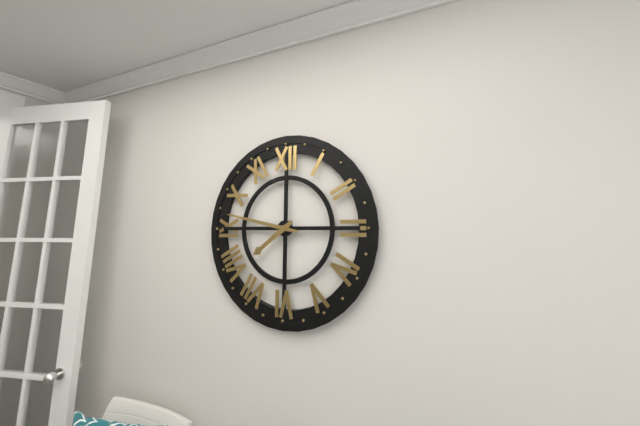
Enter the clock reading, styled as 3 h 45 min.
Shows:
7 h 47 min
